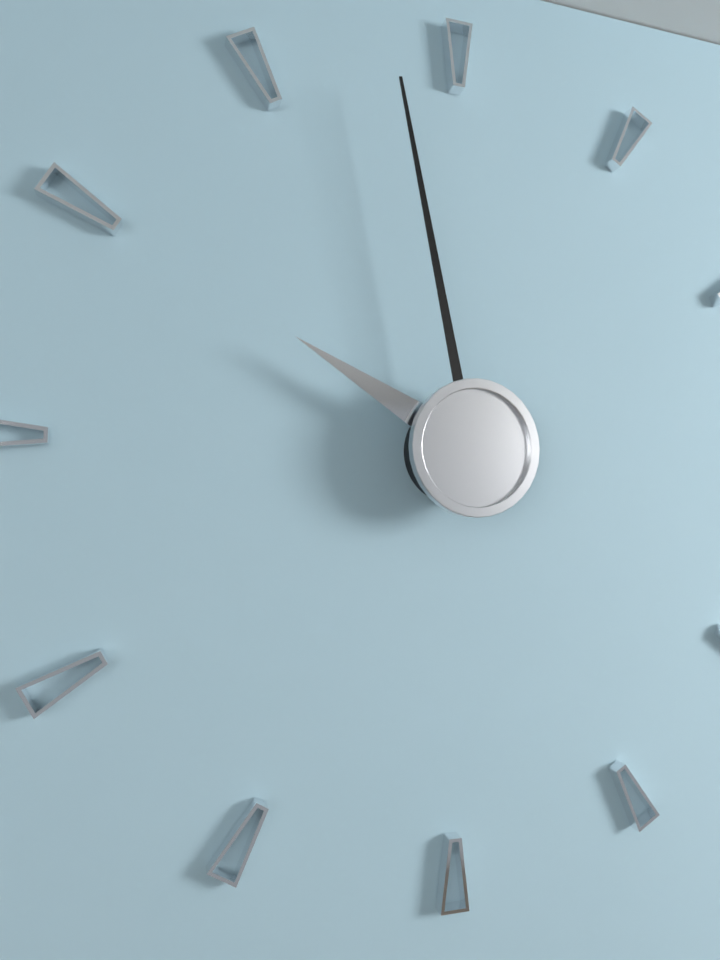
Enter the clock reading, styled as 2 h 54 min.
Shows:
9 h 58 min
